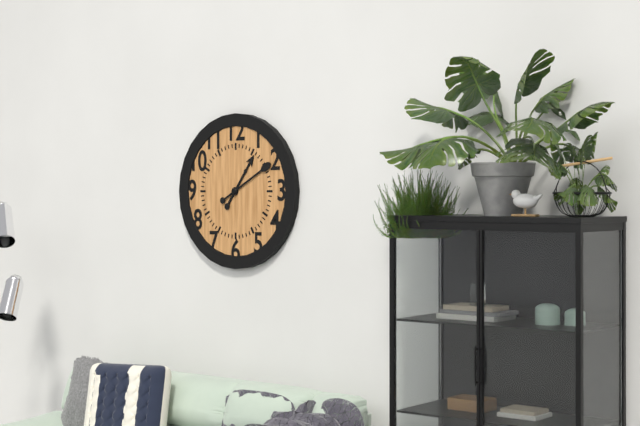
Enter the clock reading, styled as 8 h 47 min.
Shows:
1 h 10 min
